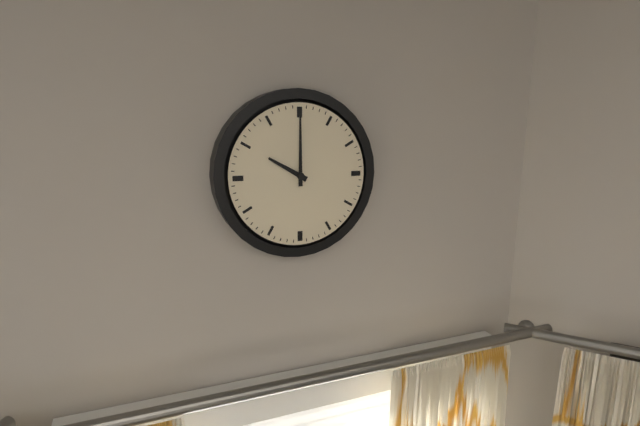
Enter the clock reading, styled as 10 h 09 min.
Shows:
10 h 00 min
